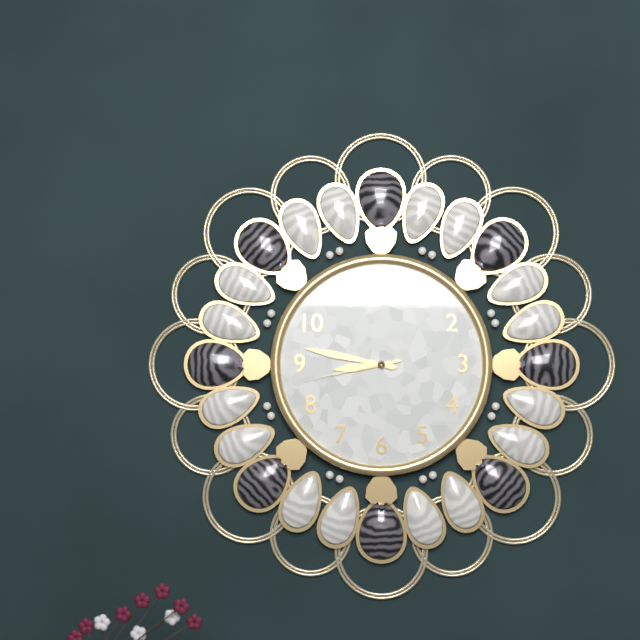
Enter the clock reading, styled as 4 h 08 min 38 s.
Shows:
8 h 47 min 43 s
